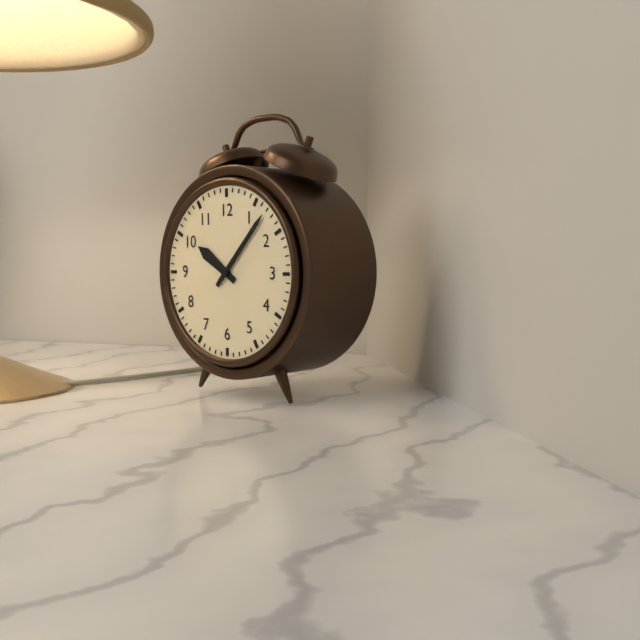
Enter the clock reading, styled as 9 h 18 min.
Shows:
10 h 07 min
